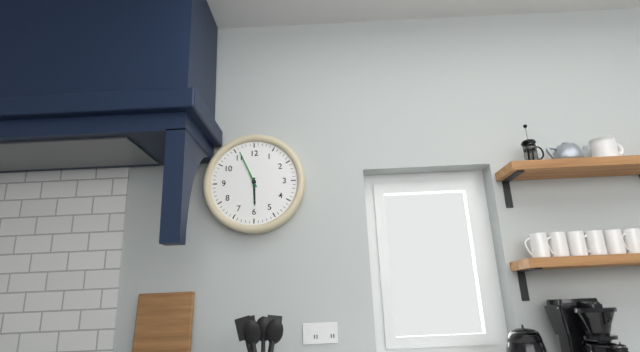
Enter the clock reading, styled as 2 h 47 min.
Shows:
5 h 56 min
